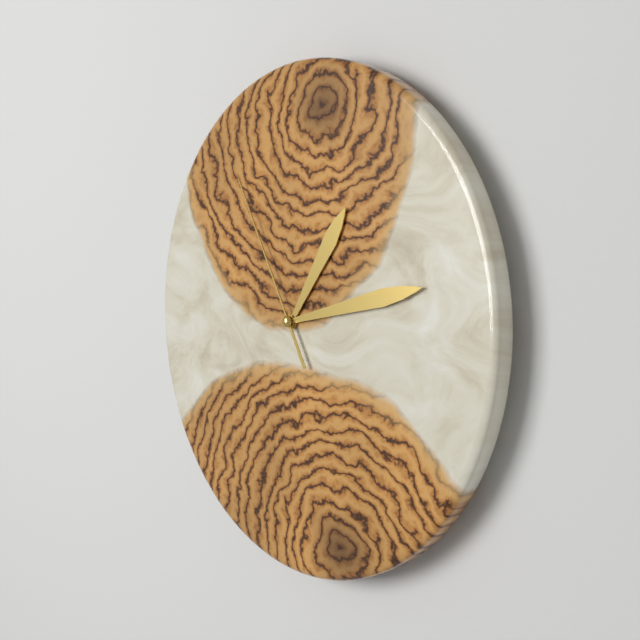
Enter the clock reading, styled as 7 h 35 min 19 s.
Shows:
1 h 13 min 55 s
